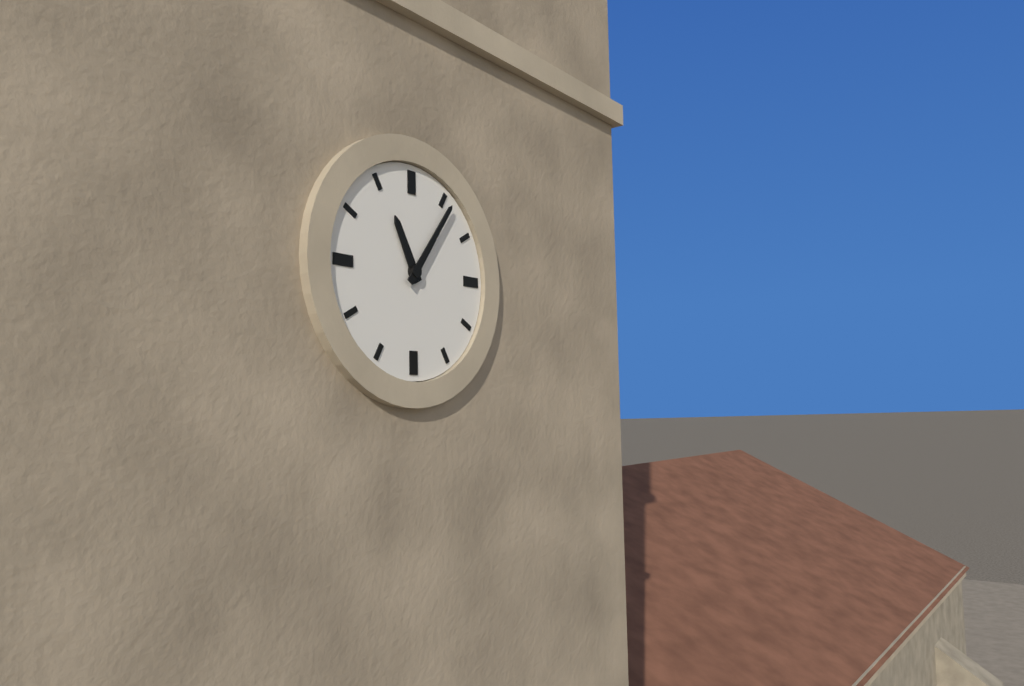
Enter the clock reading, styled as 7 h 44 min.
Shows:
11 h 06 min
